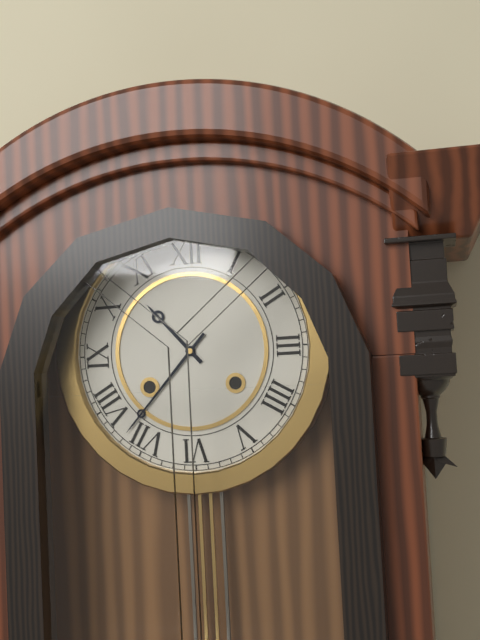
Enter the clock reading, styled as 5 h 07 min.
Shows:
10 h 37 min
